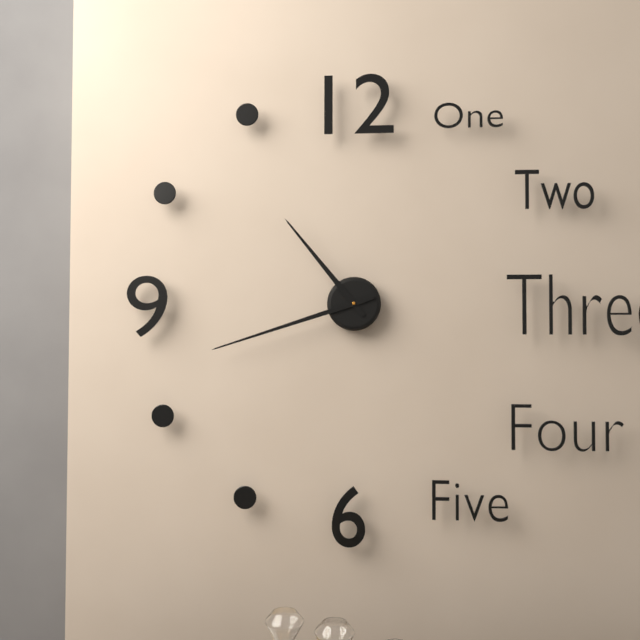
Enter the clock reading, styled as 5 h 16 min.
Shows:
10 h 42 min
